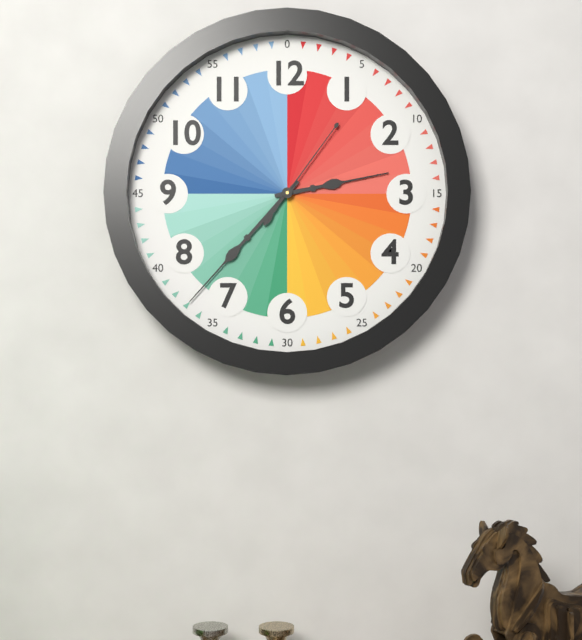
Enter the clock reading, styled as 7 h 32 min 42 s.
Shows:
2 h 37 min 06 s
